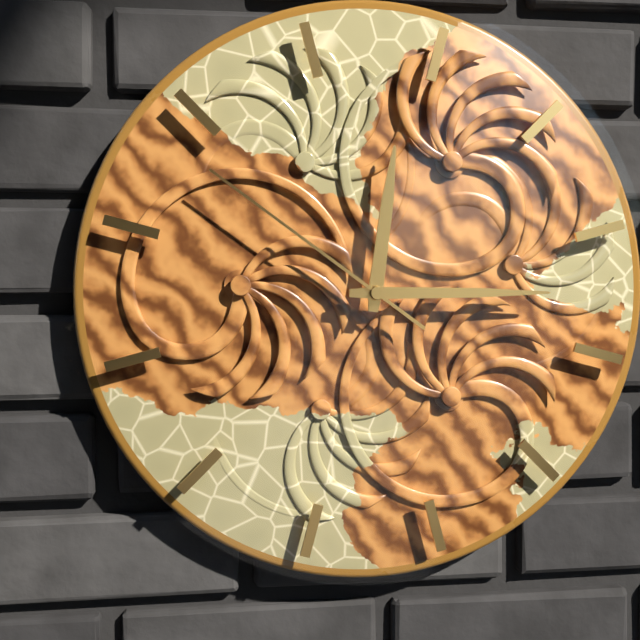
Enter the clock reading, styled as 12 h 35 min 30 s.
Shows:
12 h 15 min 51 s
